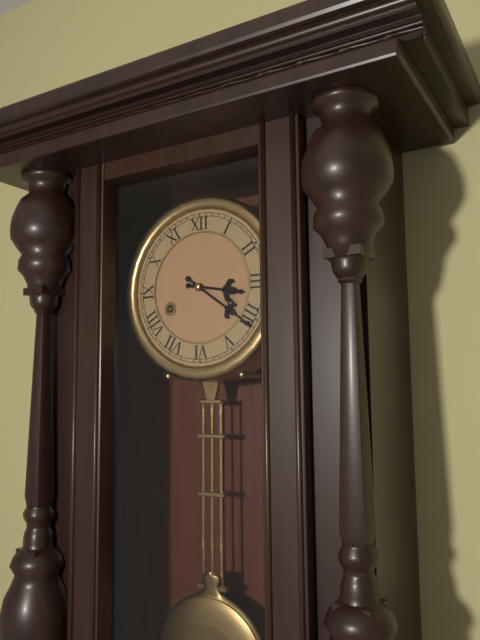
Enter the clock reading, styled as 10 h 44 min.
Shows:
3 h 21 min
